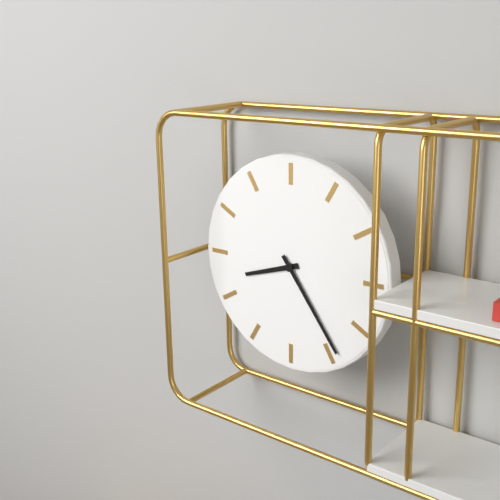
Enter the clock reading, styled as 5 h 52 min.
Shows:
8 h 24 min
